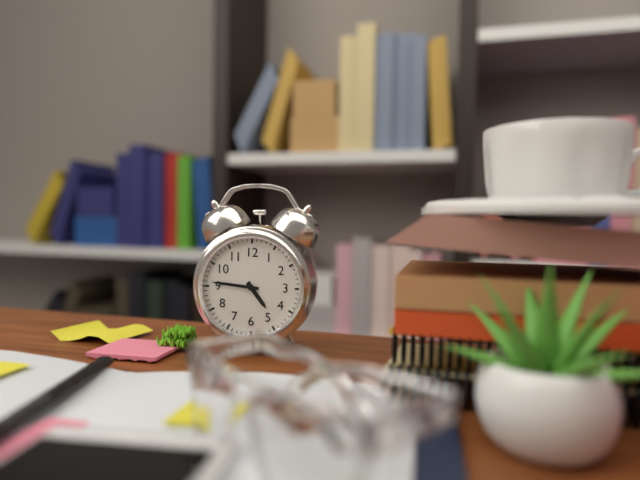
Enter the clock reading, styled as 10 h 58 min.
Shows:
4 h 46 min
